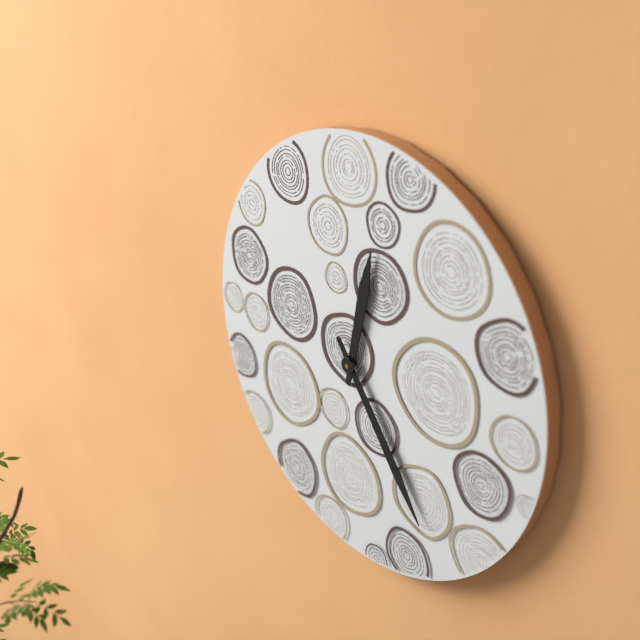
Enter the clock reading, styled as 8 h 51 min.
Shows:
12 h 24 min
